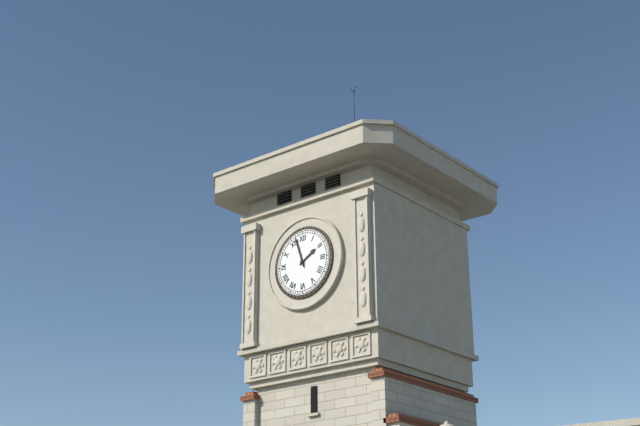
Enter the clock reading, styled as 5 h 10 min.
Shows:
1 h 57 min
